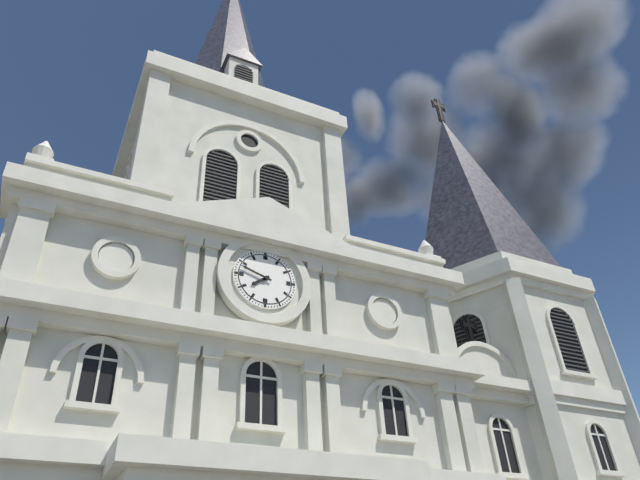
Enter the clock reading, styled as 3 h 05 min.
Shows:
7 h 48 min
